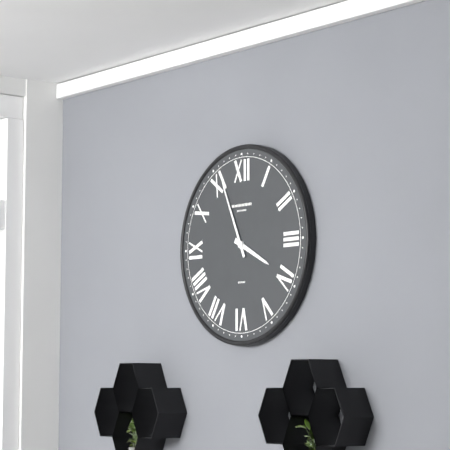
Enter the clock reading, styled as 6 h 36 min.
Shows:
3 h 56 min
